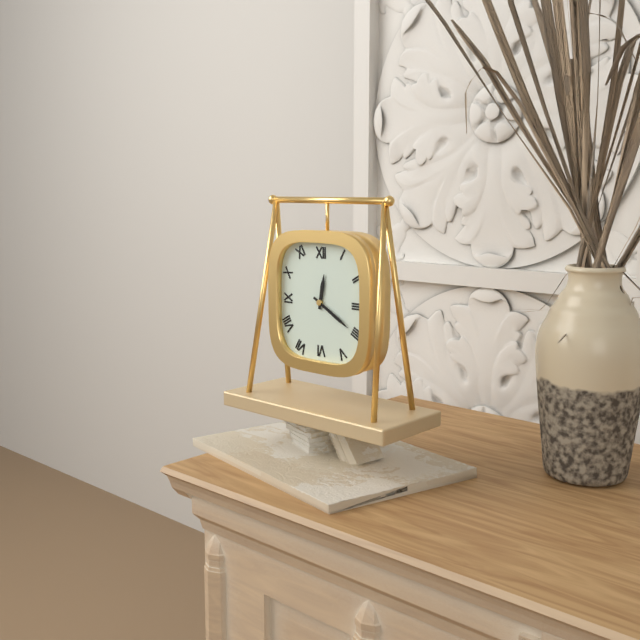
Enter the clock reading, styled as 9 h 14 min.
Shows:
12 h 20 min
